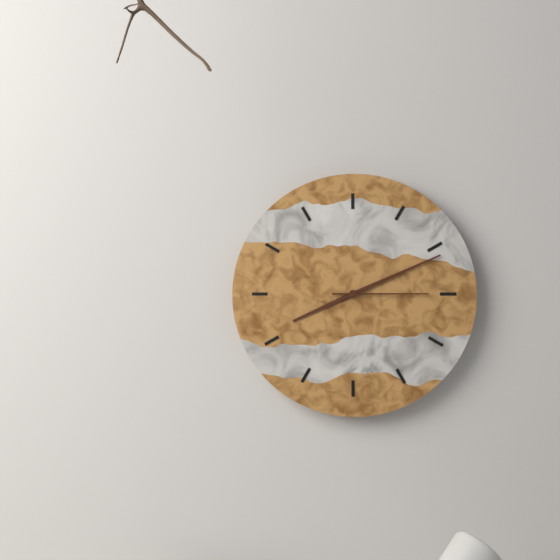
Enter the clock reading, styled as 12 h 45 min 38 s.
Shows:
8 h 11 min 15 s
